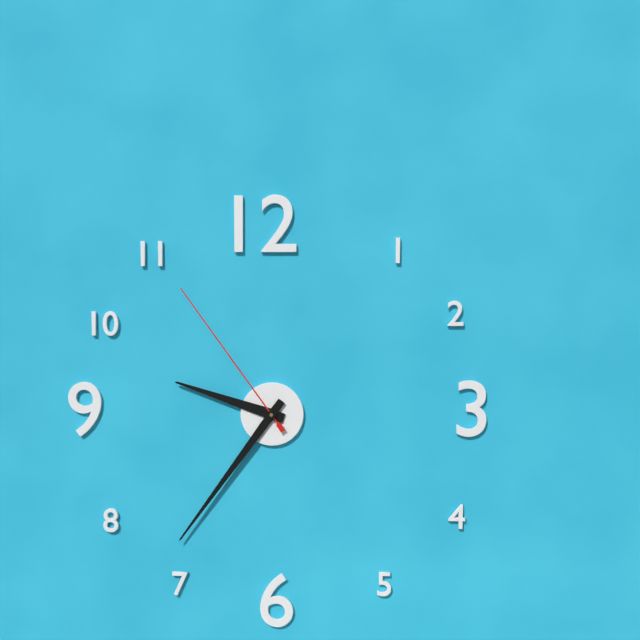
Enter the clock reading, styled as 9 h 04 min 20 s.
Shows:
9 h 36 min 54 s
